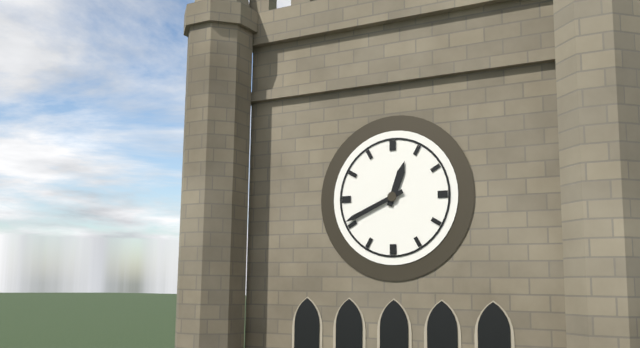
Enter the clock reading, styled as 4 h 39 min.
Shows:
12 h 41 min
